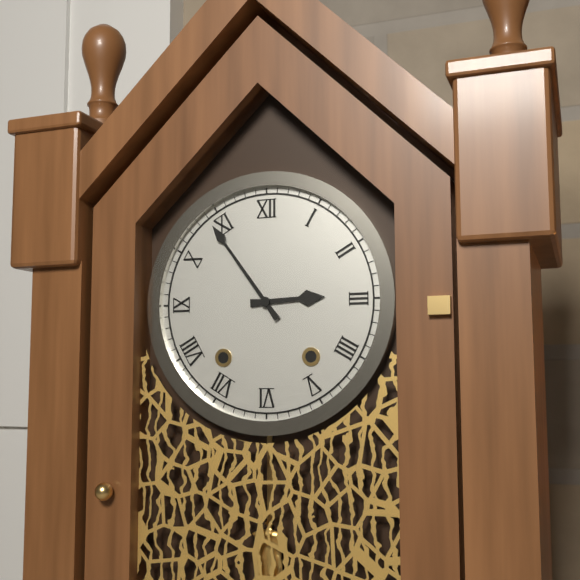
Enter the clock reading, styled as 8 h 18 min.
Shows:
2 h 54 min
